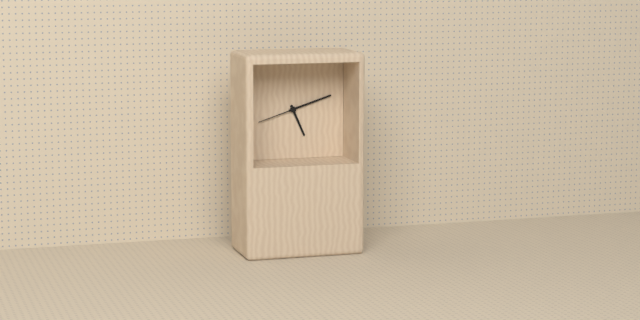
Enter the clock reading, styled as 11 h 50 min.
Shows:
5 h 12 min
